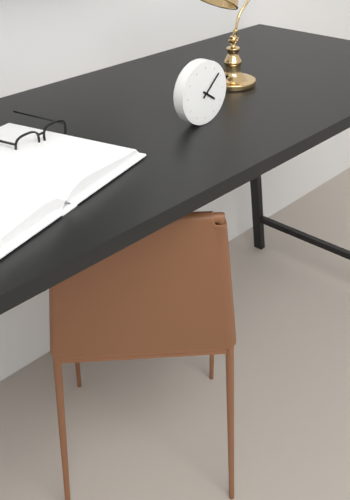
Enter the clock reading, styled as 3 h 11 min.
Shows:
4 h 08 min
